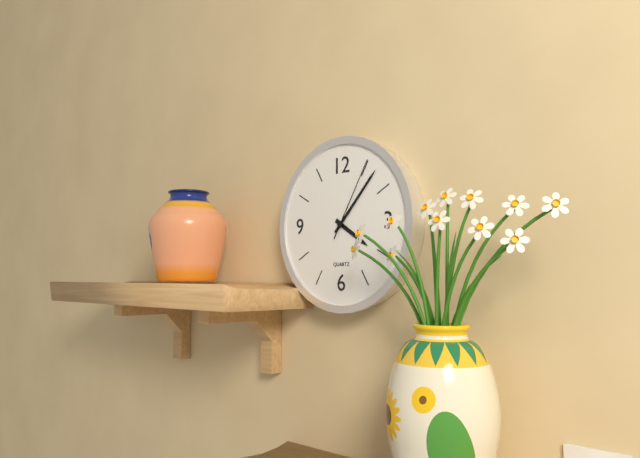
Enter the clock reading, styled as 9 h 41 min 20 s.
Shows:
4 h 07 min 05 s
